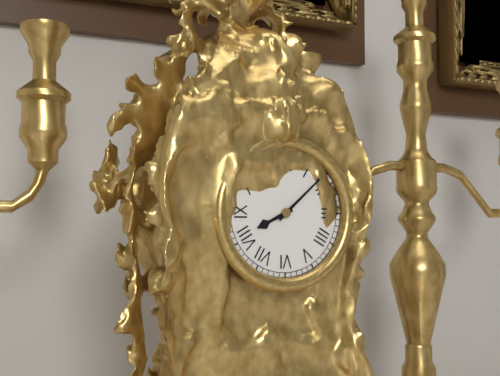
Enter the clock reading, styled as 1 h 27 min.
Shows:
8 h 08 min
